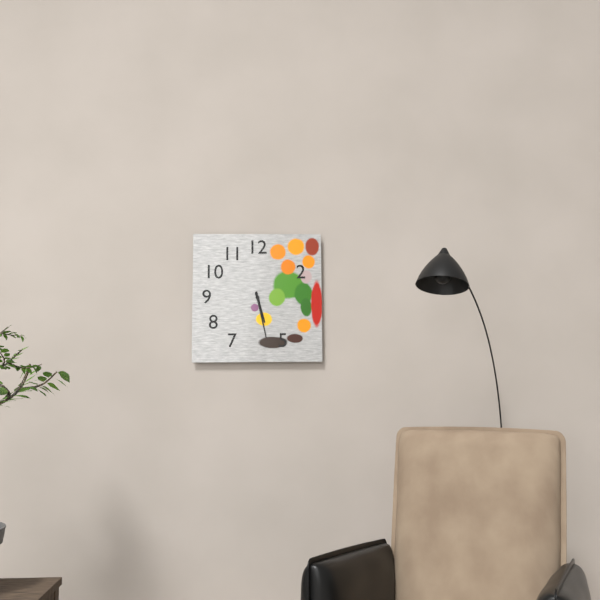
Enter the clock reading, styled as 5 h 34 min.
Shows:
5 h 28 min
